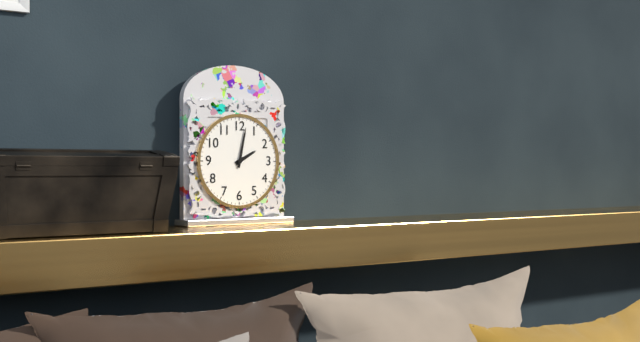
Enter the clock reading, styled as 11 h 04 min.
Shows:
2 h 02 min
